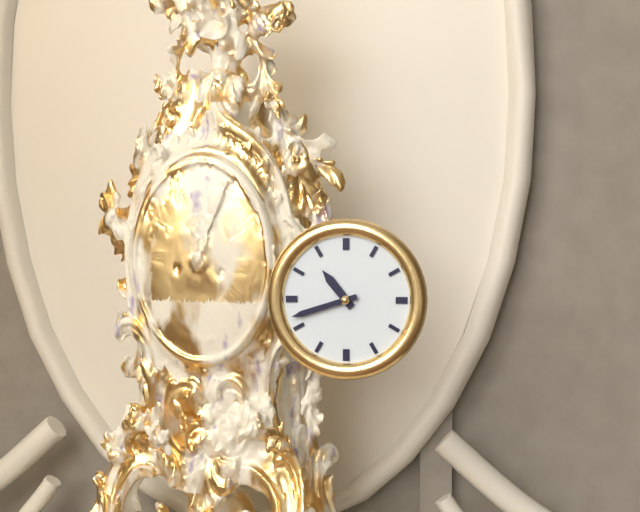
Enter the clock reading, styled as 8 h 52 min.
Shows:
10 h 42 min
